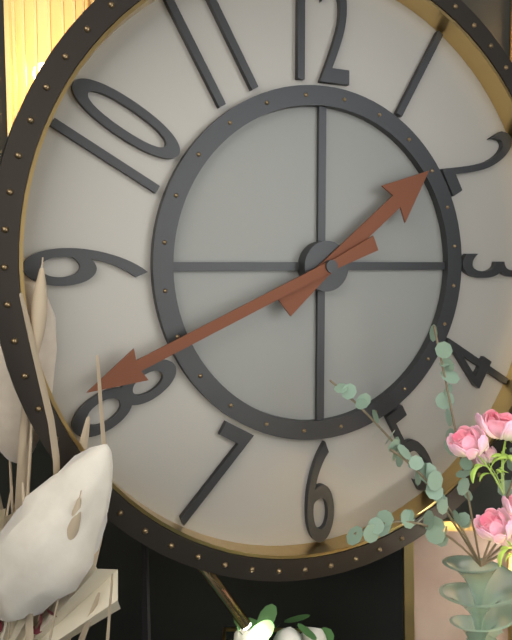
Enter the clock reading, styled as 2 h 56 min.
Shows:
1 h 41 min
